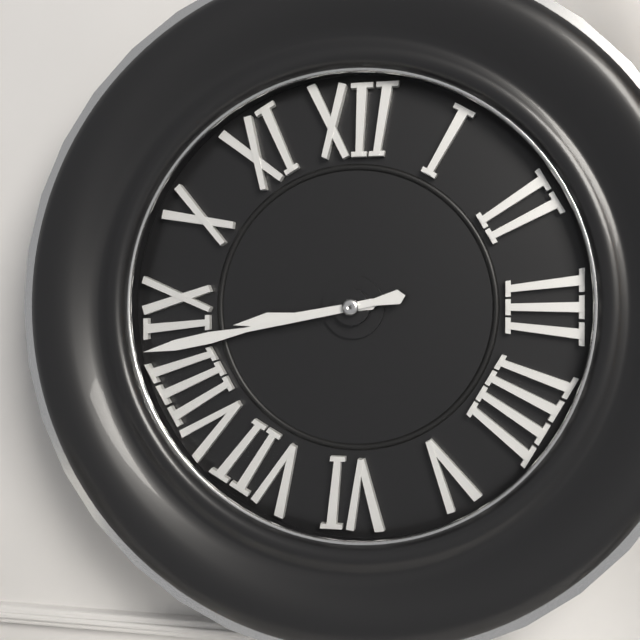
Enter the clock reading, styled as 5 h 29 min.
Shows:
8 h 43 min
